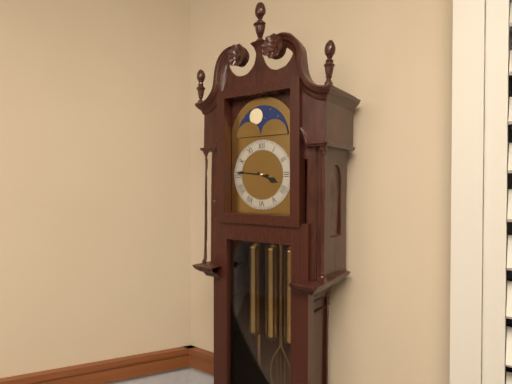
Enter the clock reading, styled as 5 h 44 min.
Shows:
3 h 46 min
